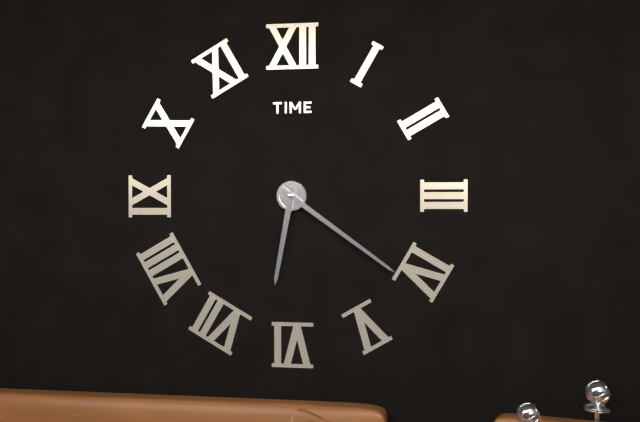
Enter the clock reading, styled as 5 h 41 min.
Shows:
6 h 21 min
